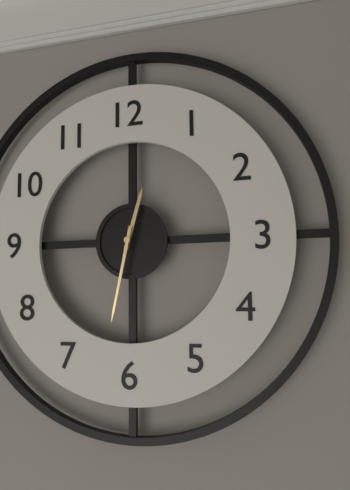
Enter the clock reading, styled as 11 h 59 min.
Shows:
12 h 32 min
